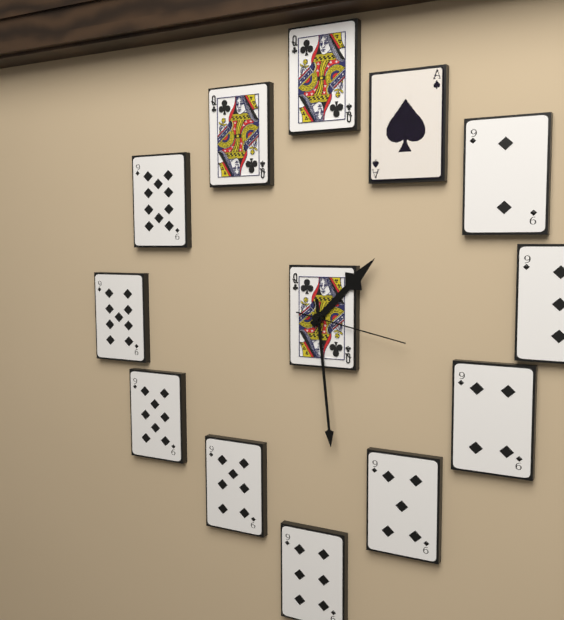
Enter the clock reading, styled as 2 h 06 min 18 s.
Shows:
1 h 29 min 17 s
